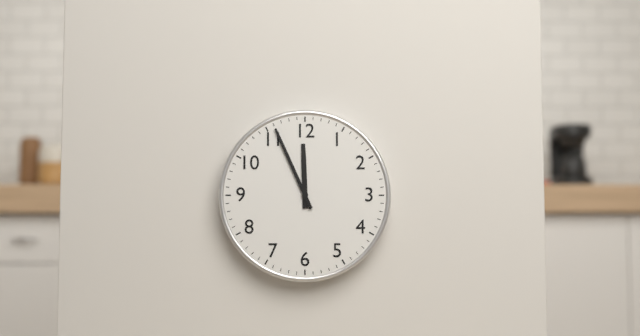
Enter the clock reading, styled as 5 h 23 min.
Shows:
11 h 56 min
